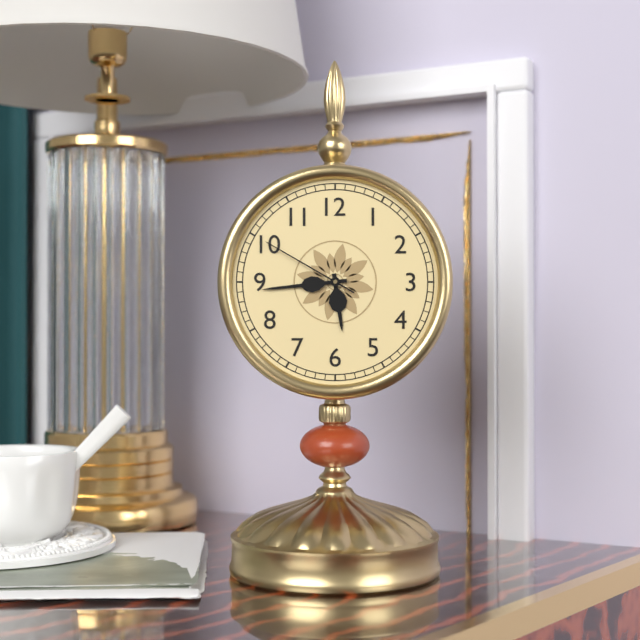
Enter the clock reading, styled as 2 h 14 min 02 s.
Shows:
5 h 44 min 50 s
